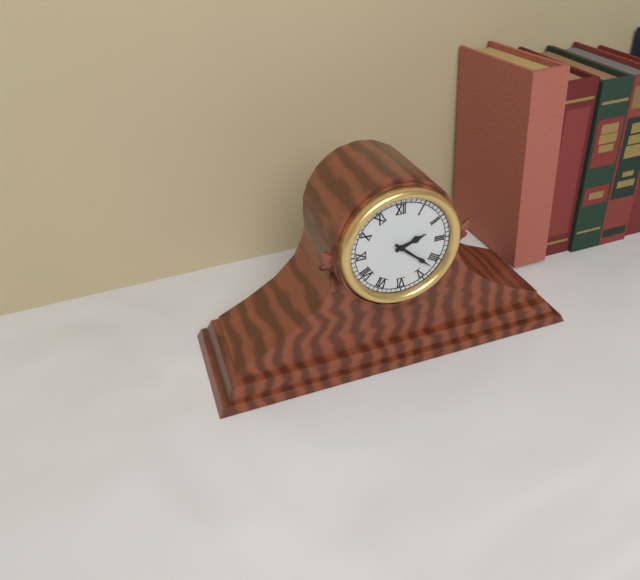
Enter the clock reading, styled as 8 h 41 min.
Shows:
2 h 22 min
